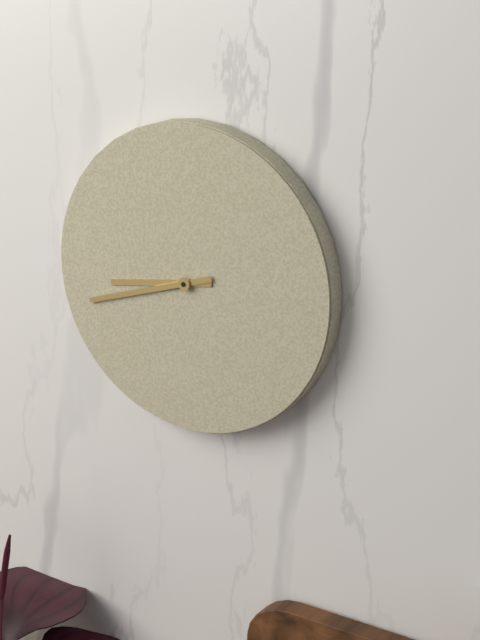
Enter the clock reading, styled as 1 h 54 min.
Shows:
8 h 42 min
